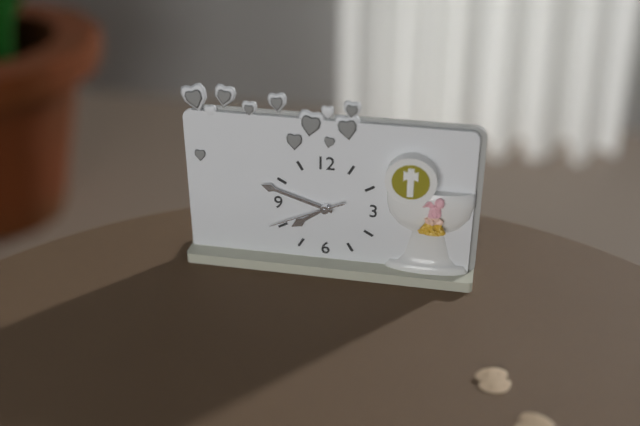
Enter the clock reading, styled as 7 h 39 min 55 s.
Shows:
7 h 48 min 41 s
